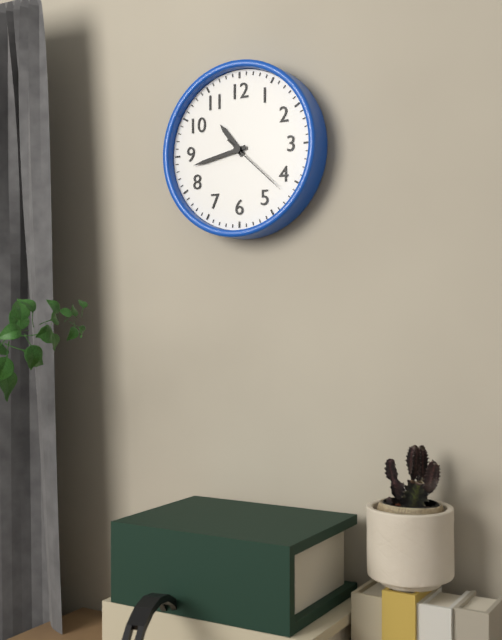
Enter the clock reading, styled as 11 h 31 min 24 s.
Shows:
10 h 43 min 22 s
